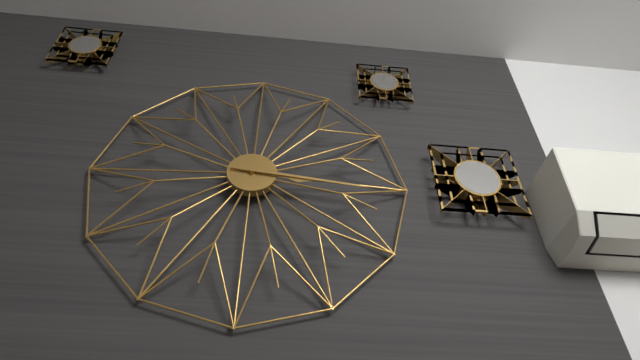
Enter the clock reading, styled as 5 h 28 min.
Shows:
3 h 16 min
